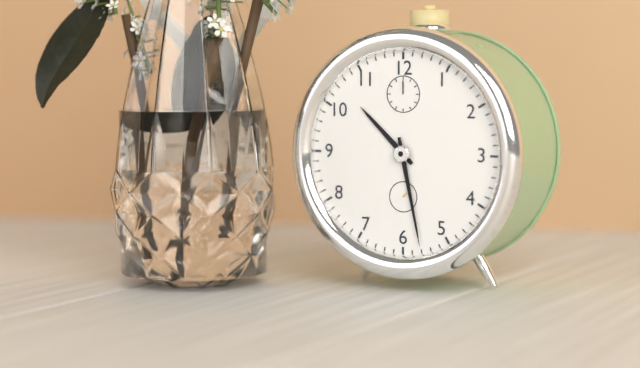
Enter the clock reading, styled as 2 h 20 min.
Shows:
10 h 28 min
